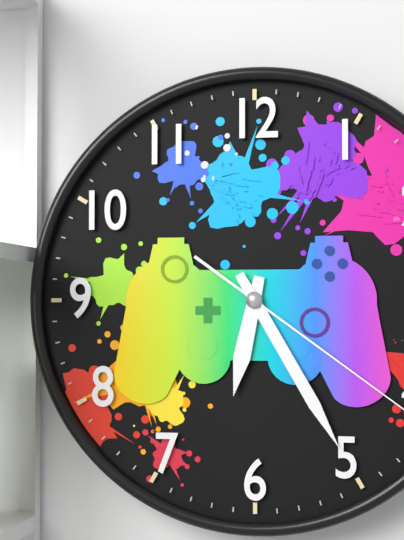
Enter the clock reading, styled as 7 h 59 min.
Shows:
6 h 25 min
